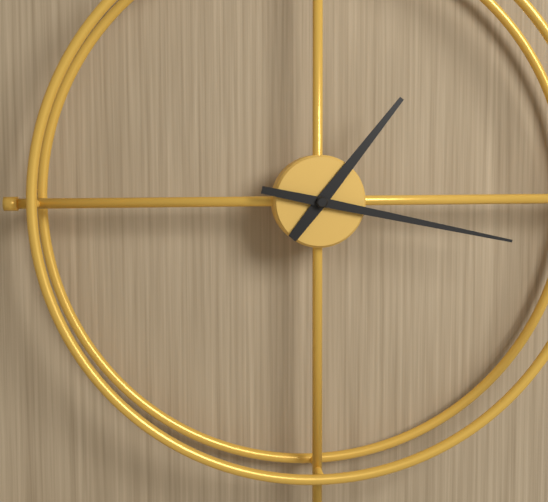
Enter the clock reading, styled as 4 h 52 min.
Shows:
1 h 17 min
